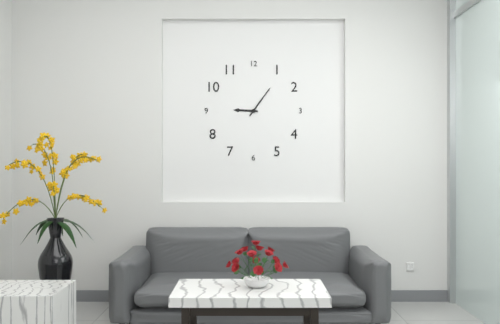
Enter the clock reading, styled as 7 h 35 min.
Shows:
9 h 06 min
